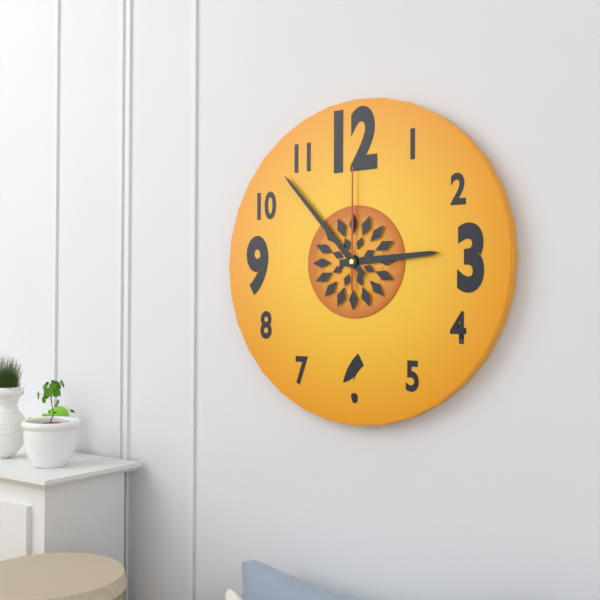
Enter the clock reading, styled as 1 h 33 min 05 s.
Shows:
2 h 53 min 00 s
